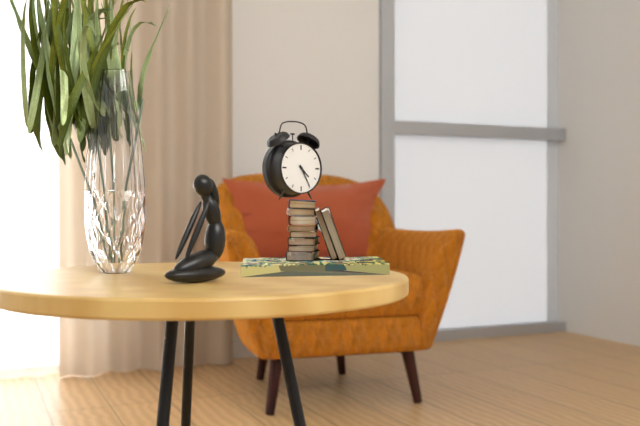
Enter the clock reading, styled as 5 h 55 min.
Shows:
4 h 25 min
